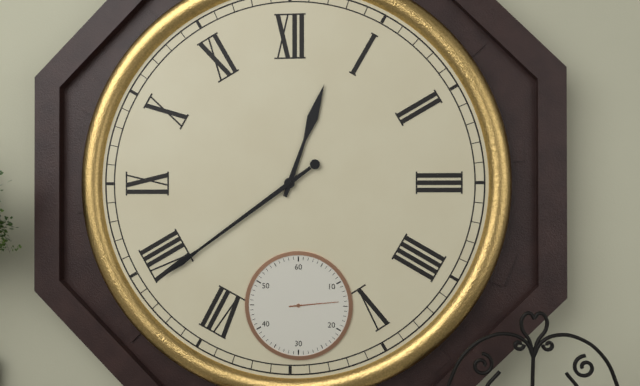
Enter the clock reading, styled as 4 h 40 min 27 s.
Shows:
12 h 39 min 14 s
